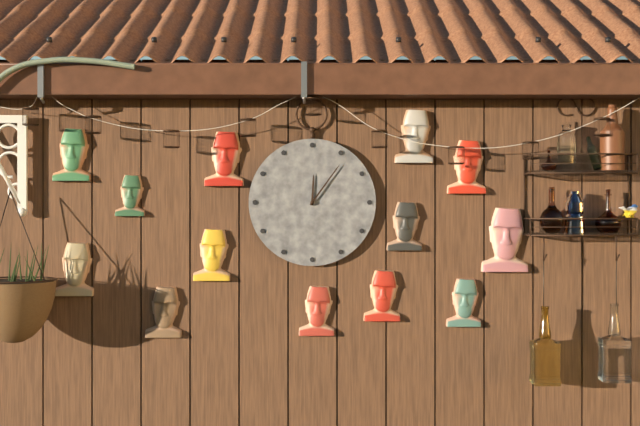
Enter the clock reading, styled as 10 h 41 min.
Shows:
12 h 06 min
